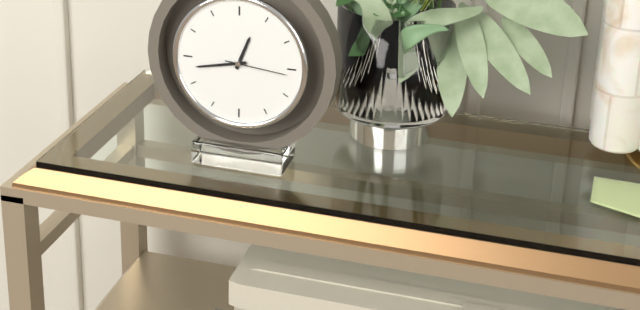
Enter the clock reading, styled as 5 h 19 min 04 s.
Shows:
12 h 43 min 16 s
